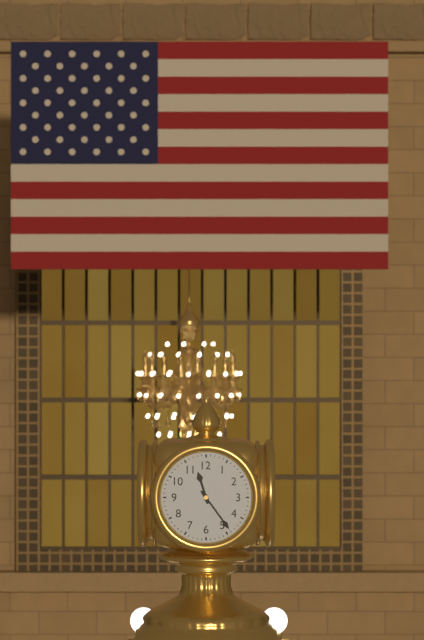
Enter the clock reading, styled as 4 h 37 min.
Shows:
11 h 24 min
